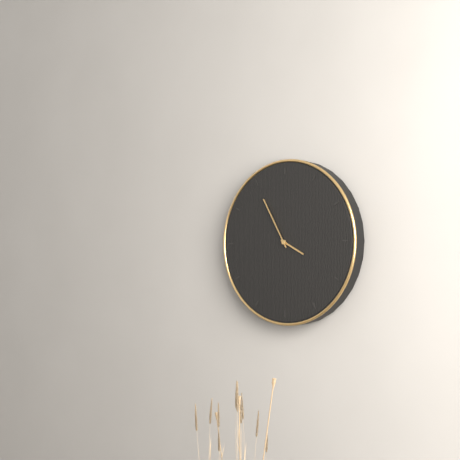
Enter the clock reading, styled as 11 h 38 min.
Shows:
3 h 55 min
